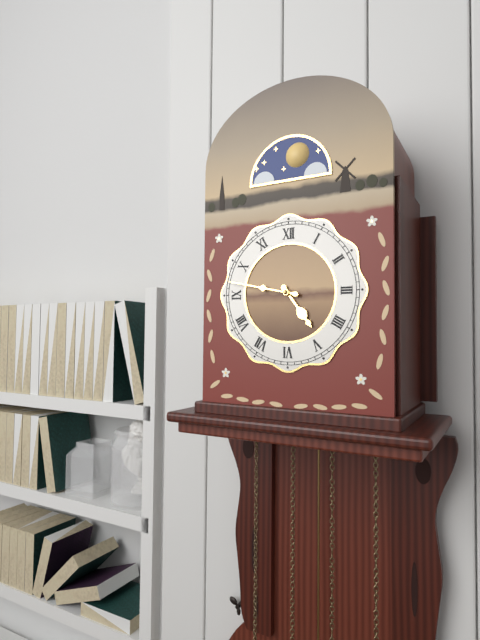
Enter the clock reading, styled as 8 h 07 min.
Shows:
4 h 47 min
